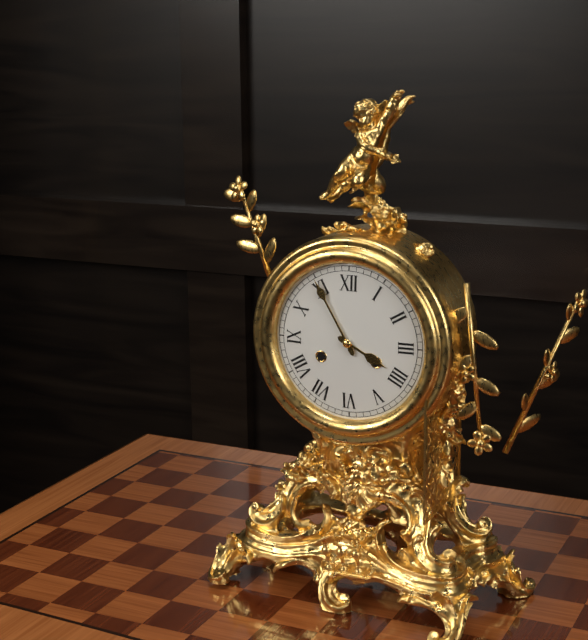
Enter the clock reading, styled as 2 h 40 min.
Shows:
3 h 55 min
